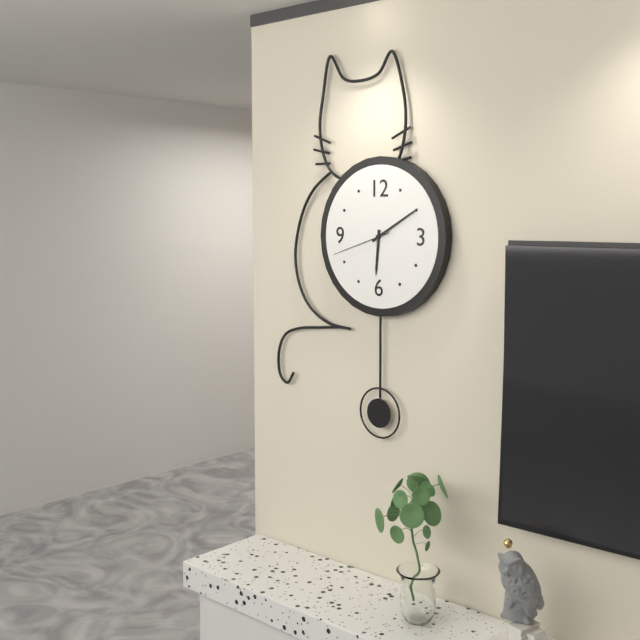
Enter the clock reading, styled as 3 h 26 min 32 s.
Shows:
6 h 10 min 42 s
